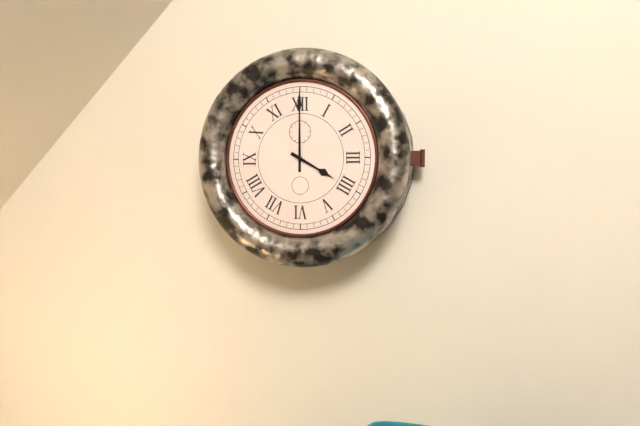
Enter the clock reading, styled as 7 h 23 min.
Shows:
4 h 00 min
